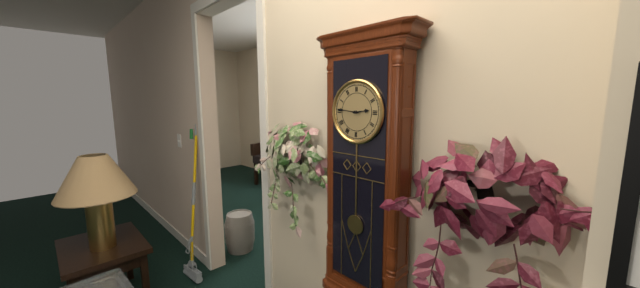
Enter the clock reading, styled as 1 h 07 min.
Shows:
2 h 46 min
